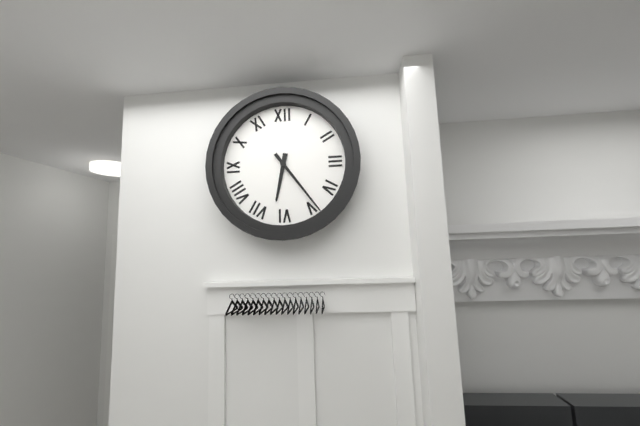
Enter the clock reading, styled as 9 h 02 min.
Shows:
6 h 24 min
